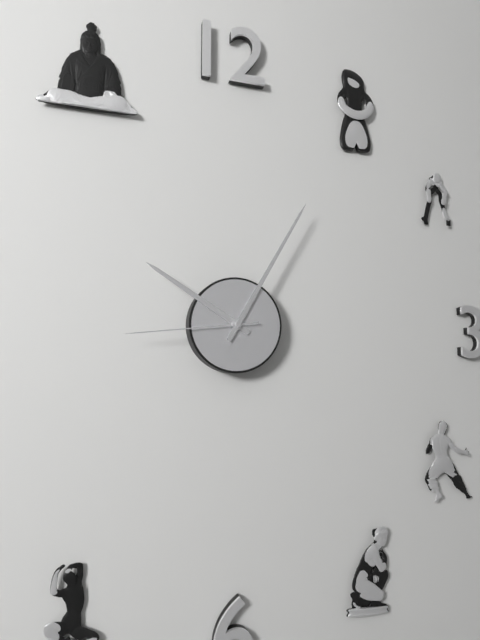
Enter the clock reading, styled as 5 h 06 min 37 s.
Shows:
10 h 05 min 44 s
